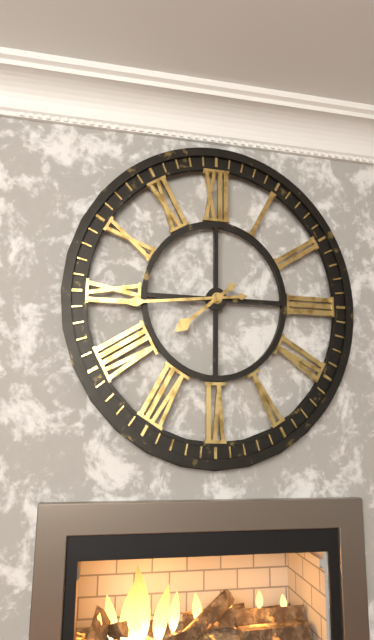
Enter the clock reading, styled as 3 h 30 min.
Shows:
7 h 44 min
